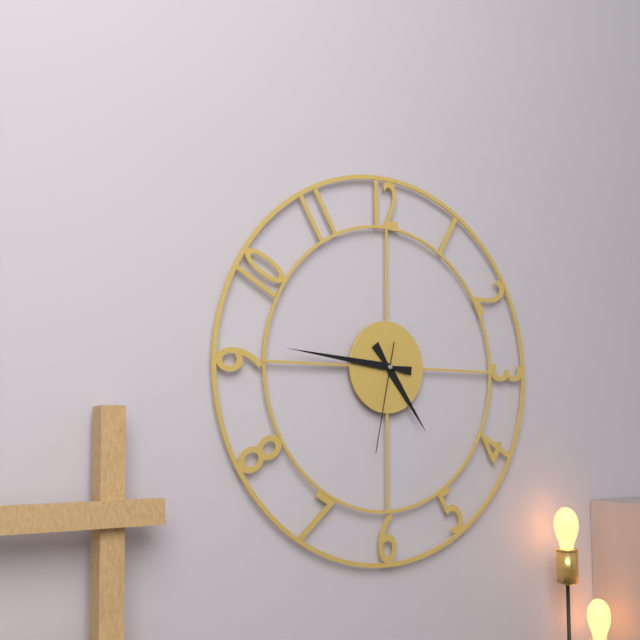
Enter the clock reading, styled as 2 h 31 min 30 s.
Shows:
4 h 46 min 32 s
